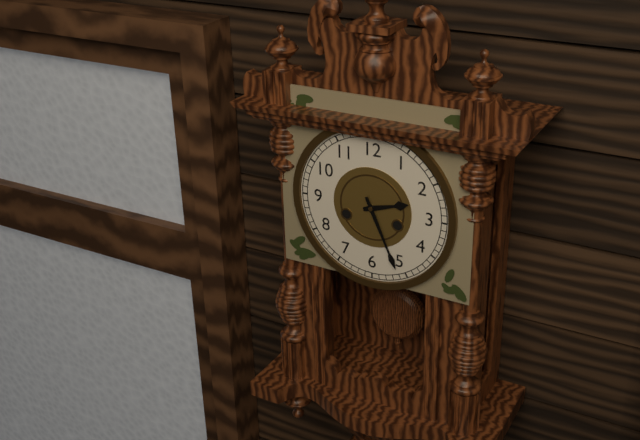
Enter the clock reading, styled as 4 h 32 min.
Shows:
2 h 26 min
